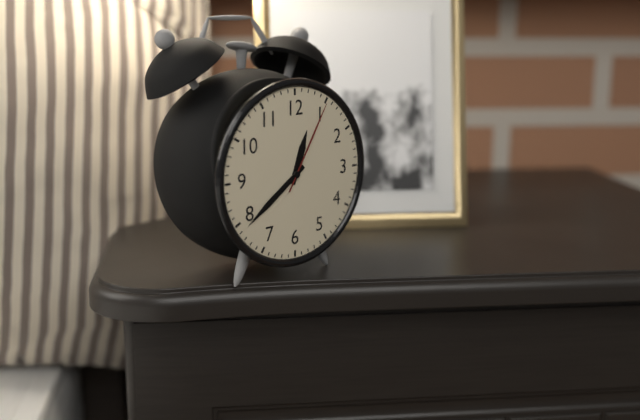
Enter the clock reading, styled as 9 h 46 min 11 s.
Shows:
12 h 39 min 05 s
